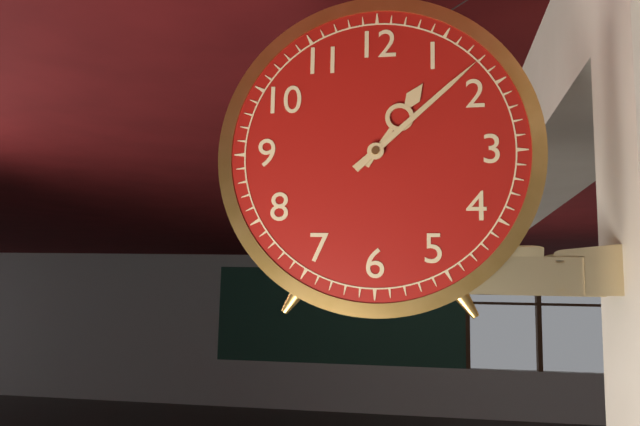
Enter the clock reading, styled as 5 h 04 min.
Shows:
1 h 08 min
